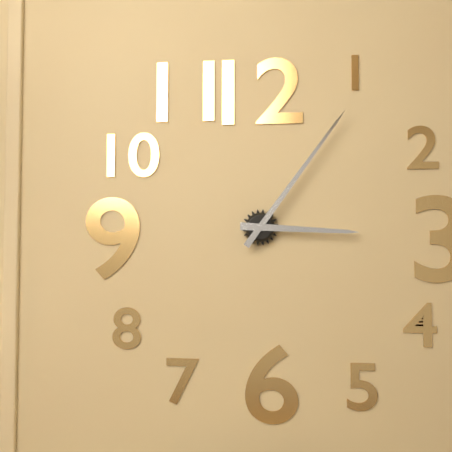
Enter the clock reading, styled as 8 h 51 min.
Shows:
3 h 06 min
